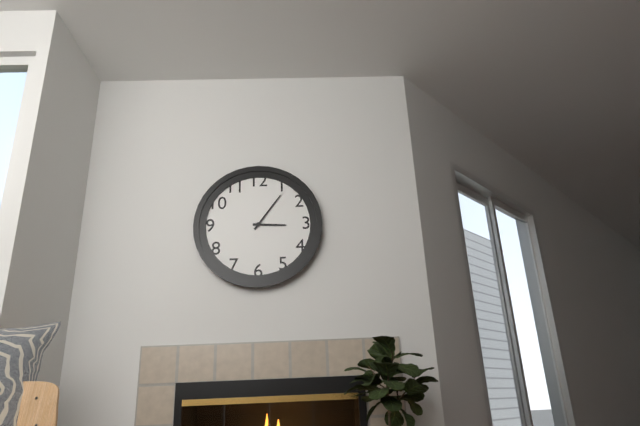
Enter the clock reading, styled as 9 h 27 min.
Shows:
3 h 06 min
